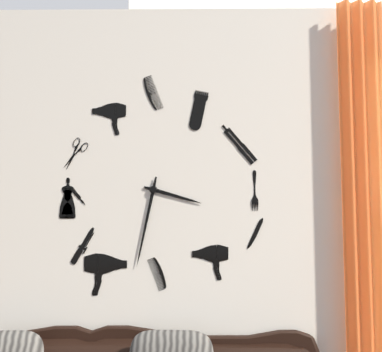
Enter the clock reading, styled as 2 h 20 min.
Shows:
3 h 32 min
